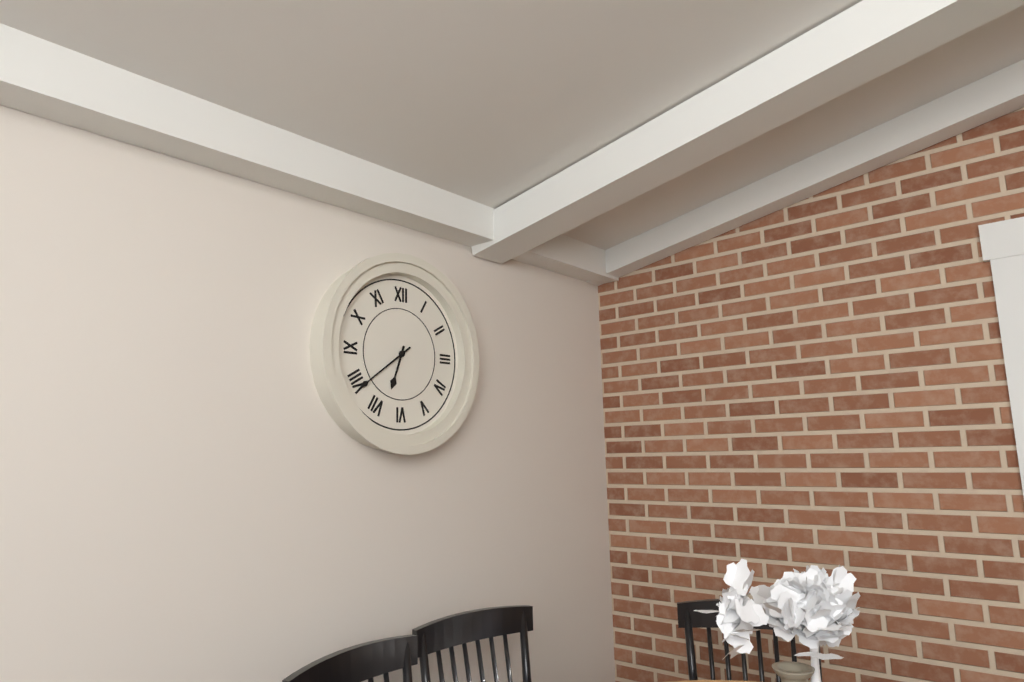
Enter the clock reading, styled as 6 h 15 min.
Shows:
6 h 39 min
